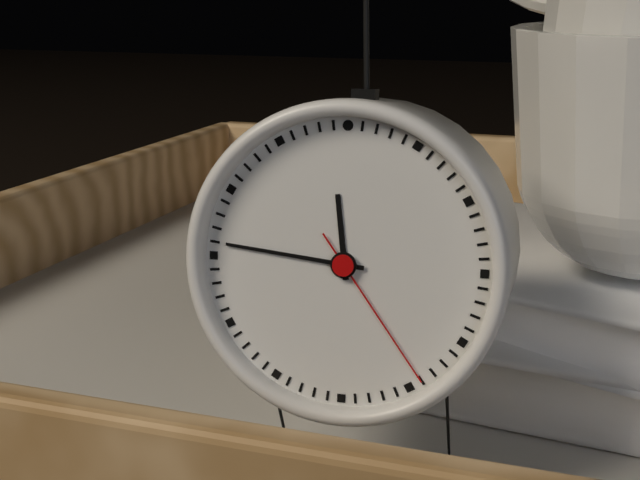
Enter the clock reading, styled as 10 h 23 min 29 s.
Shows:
11 h 46 min 24 s
